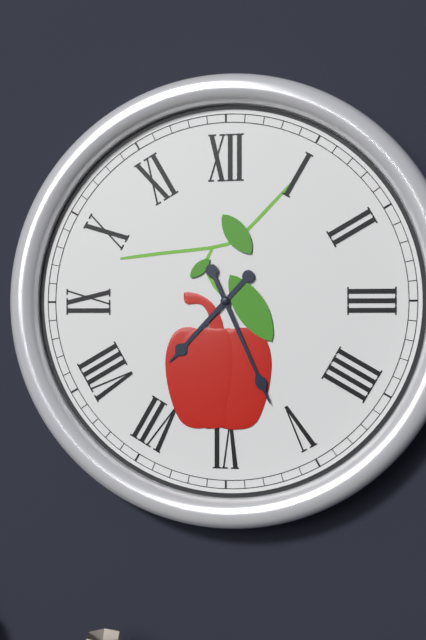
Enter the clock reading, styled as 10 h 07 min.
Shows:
7 h 26 min
